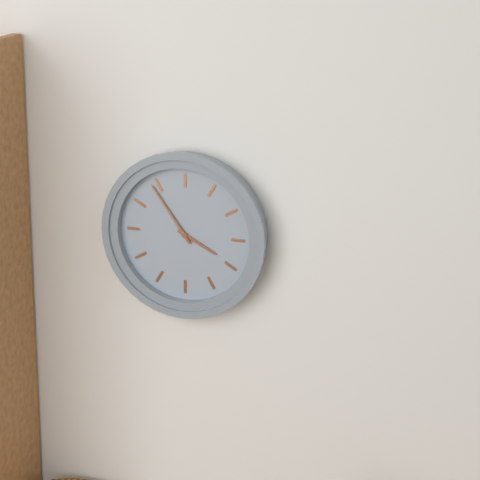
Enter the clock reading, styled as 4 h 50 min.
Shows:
3 h 54 min
